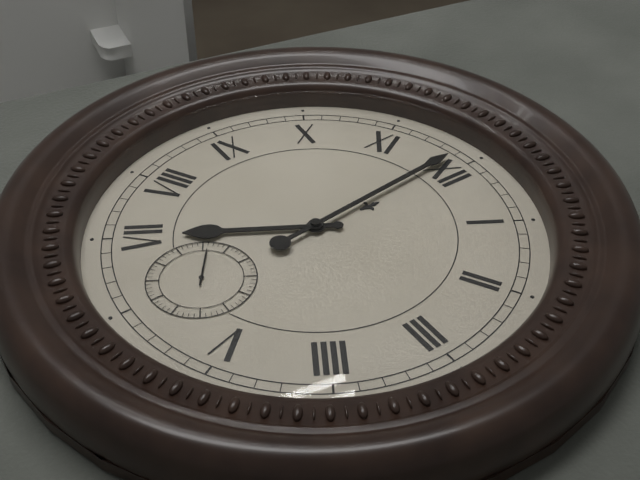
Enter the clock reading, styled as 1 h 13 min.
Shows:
6 h 59 min
